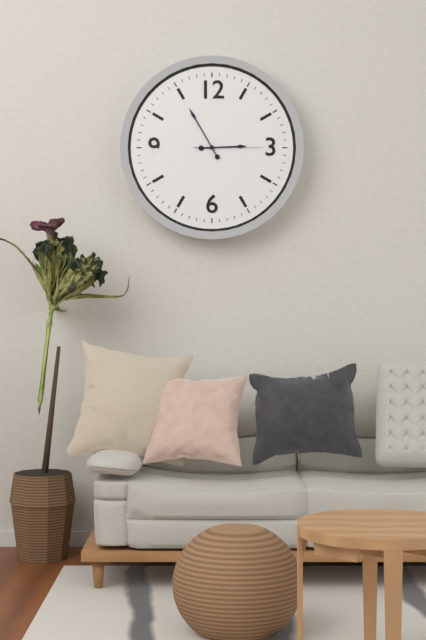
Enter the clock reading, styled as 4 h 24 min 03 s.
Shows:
2 h 55 min 15 s
